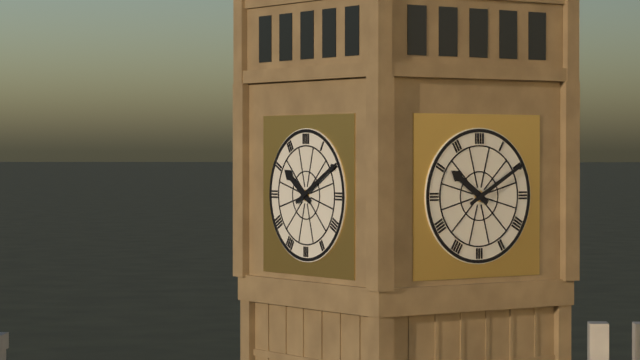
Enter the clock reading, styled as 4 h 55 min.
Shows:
10 h 10 min
